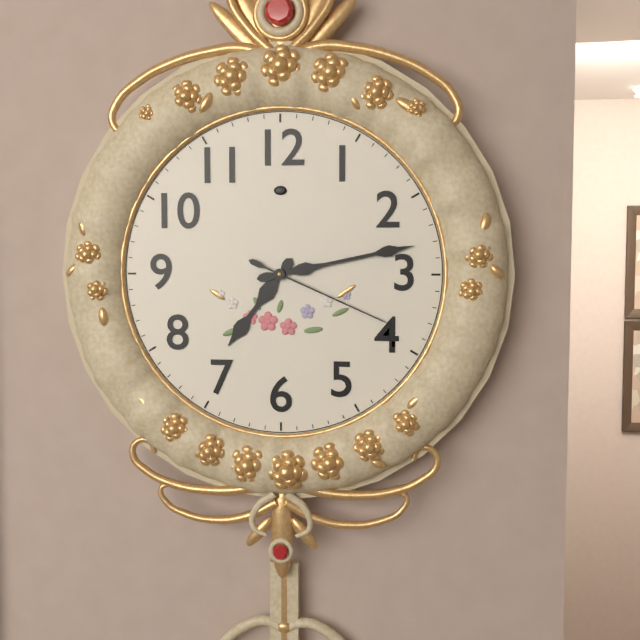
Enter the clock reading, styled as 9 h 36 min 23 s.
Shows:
7 h 13 min 19 s
